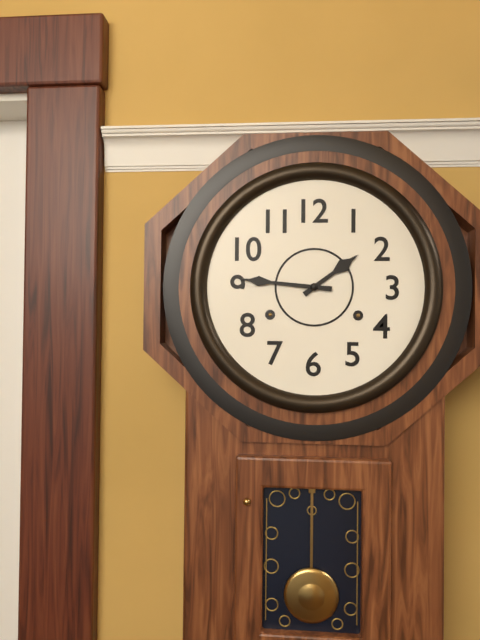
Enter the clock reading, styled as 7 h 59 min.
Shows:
1 h 46 min
